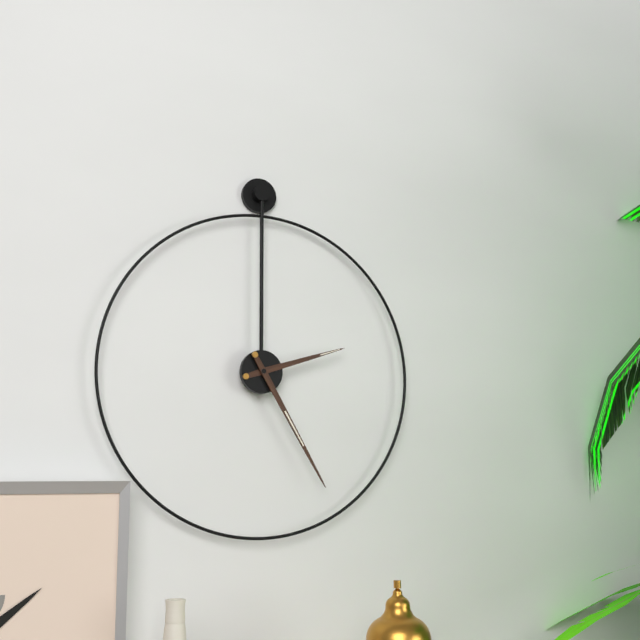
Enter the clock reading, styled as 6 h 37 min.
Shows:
2 h 25 min
